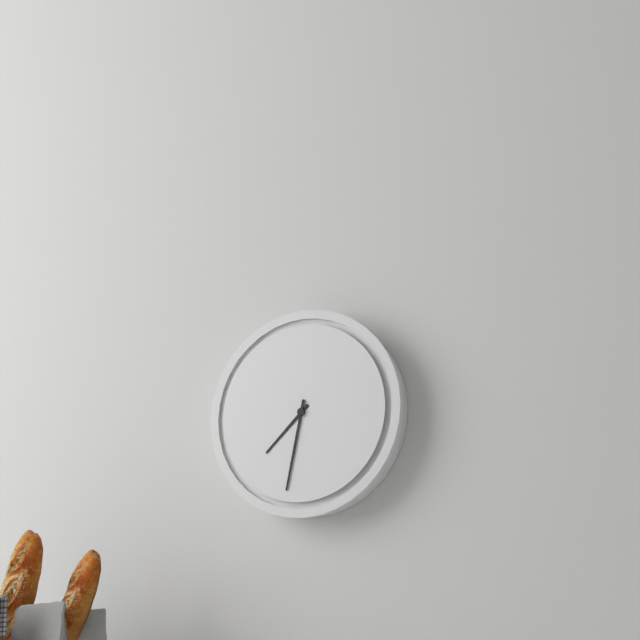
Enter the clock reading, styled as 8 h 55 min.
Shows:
7 h 32 min
